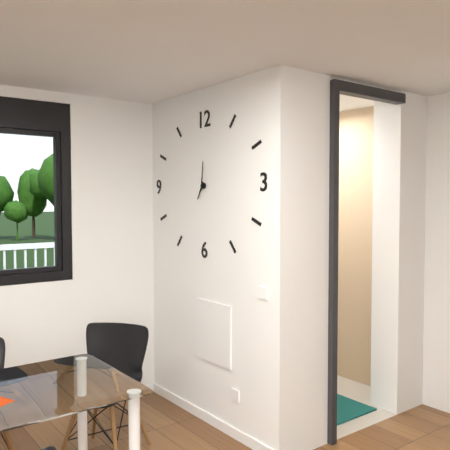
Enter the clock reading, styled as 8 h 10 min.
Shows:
7 h 01 min
